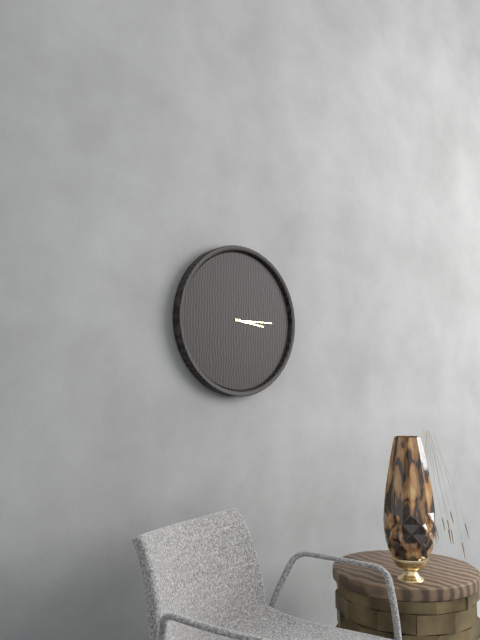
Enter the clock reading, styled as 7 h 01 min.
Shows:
3 h 15 min
